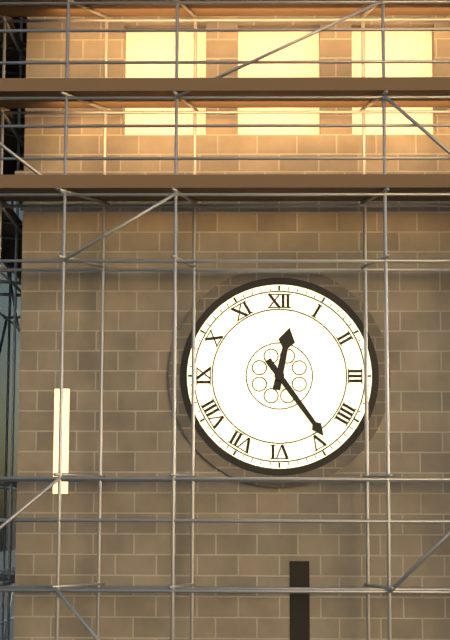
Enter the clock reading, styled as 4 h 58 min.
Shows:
12 h 24 min
